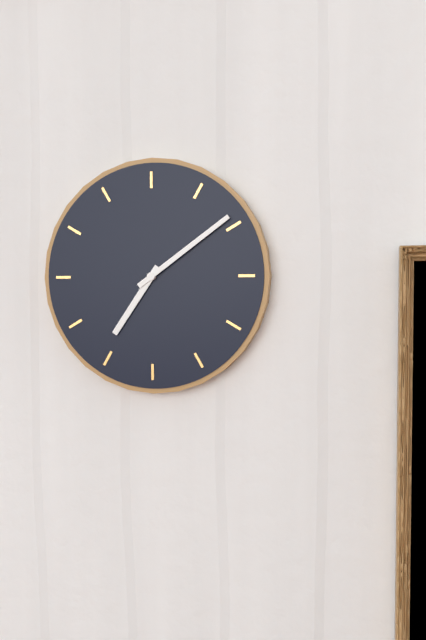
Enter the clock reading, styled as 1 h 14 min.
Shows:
7 h 09 min
